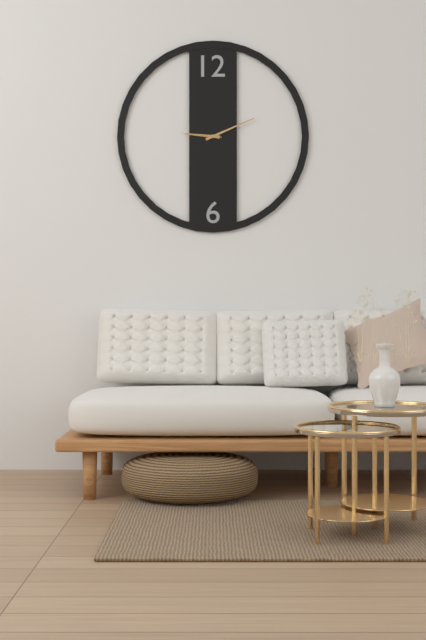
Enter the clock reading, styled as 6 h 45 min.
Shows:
9 h 11 min
